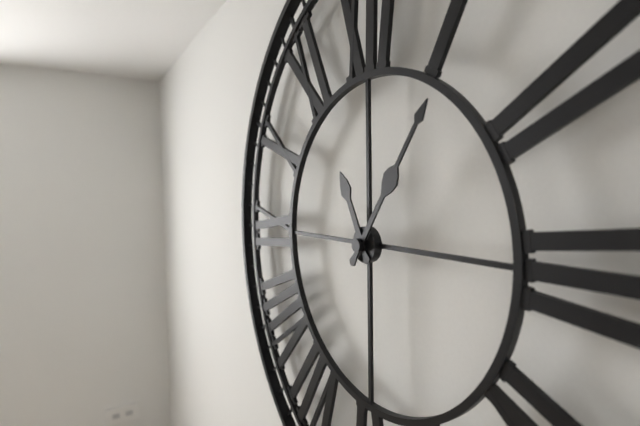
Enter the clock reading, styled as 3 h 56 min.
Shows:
11 h 06 min
